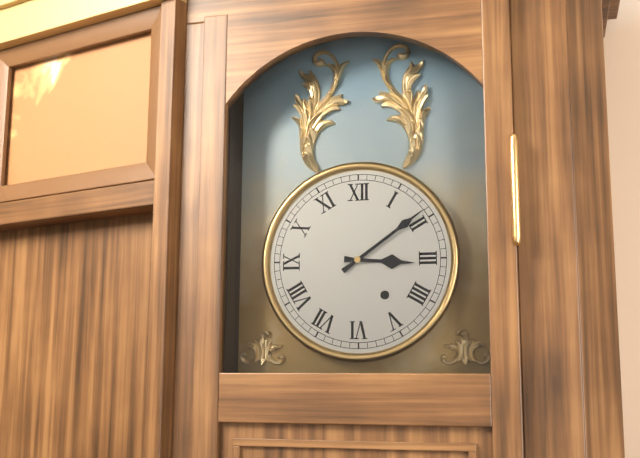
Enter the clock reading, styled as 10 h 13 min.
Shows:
3 h 09 min
